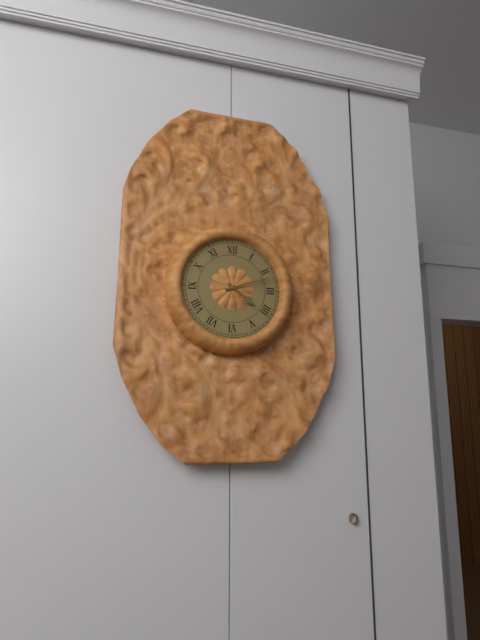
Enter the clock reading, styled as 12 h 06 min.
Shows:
4 h 12 min
